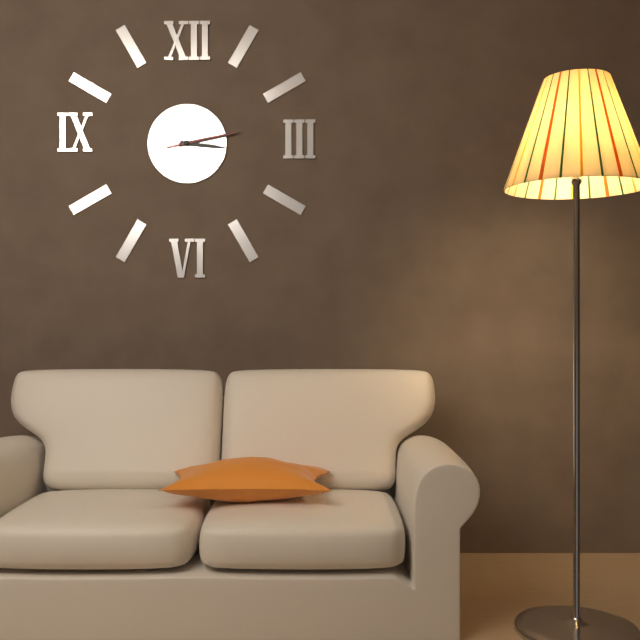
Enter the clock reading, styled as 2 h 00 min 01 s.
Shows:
3 h 13 min 13 s
